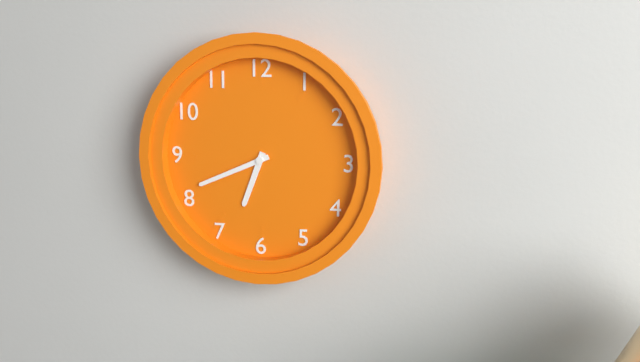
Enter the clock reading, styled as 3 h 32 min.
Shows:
6 h 41 min
